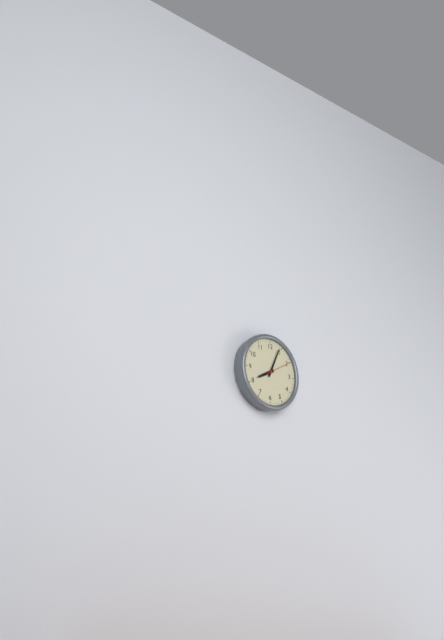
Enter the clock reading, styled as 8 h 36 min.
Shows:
8 h 04 min
